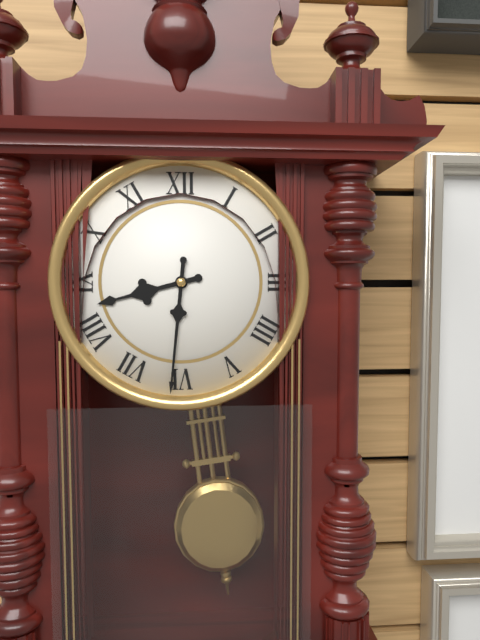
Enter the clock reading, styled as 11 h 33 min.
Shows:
8 h 31 min
